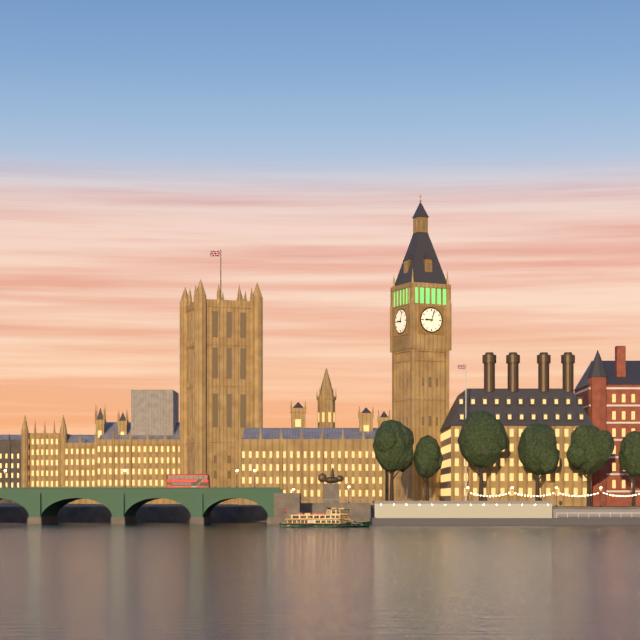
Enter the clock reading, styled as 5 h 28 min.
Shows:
9 h 03 min
